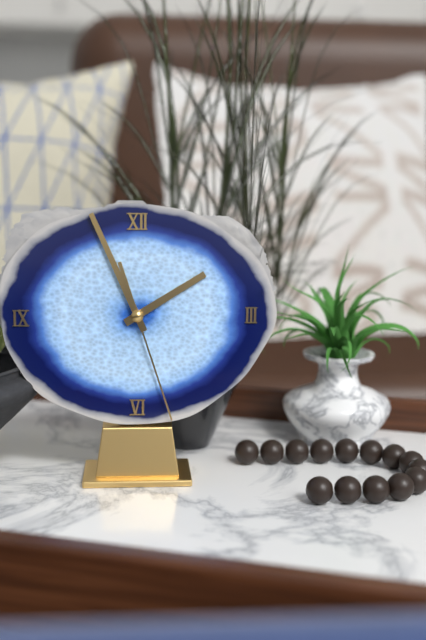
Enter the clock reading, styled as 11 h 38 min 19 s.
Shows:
1 h 56 min 27 s
